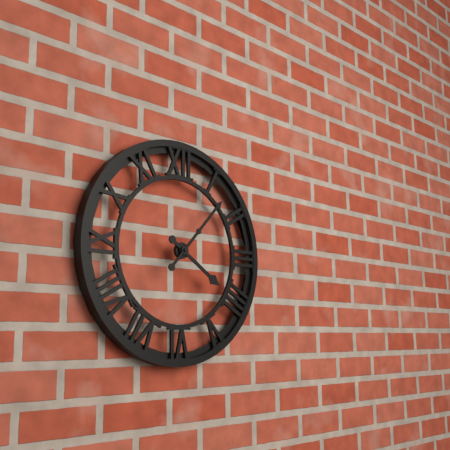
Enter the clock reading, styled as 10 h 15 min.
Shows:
4 h 07 min
